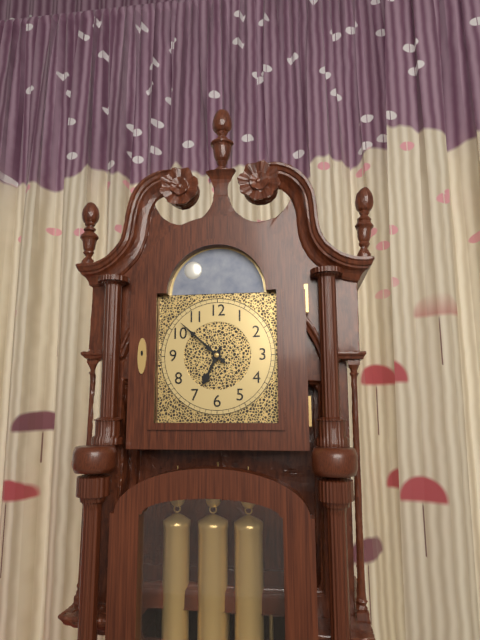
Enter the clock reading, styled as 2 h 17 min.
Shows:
6 h 52 min
